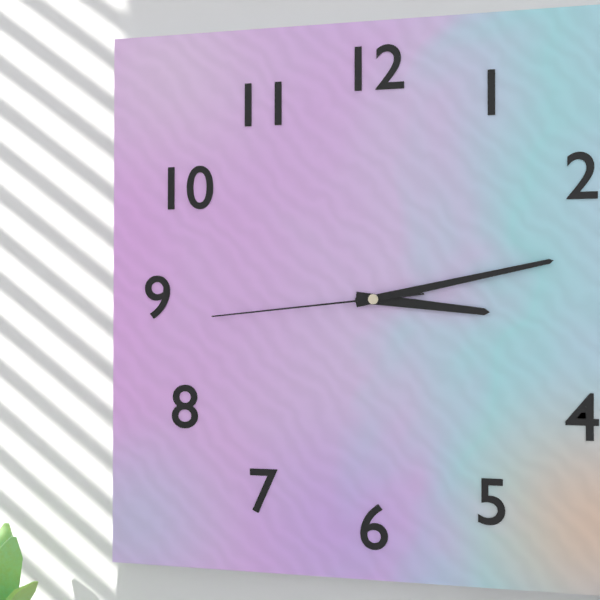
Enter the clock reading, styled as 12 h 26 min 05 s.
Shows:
3 h 13 min 44 s
